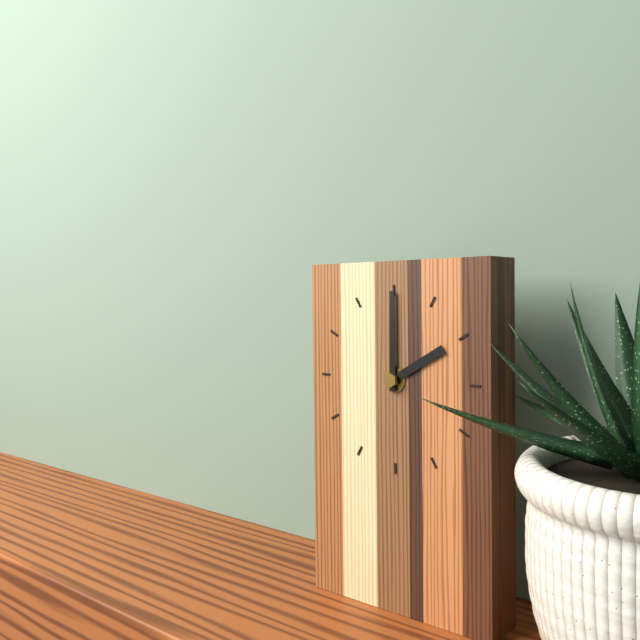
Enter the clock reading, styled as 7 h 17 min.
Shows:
2 h 00 min
